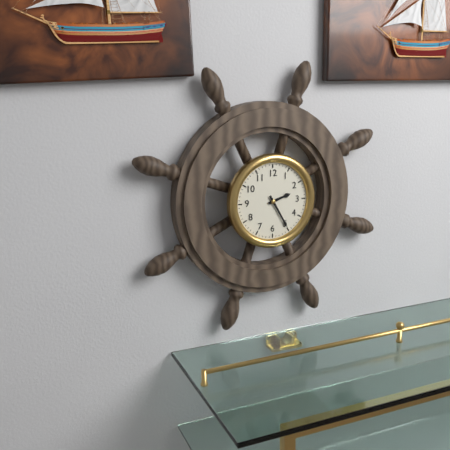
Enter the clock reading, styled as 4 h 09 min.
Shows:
2 h 25 min
